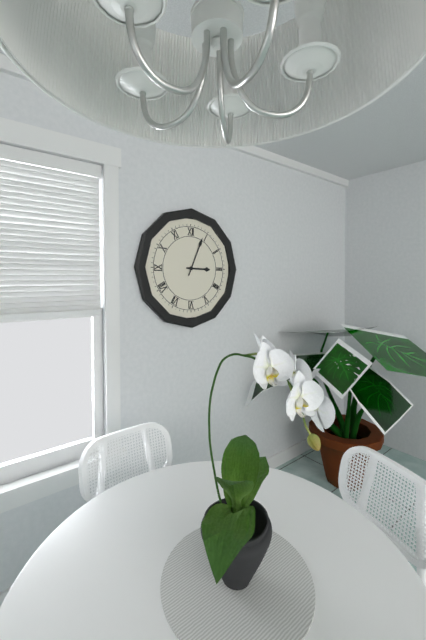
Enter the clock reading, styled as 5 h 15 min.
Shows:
3 h 04 min
